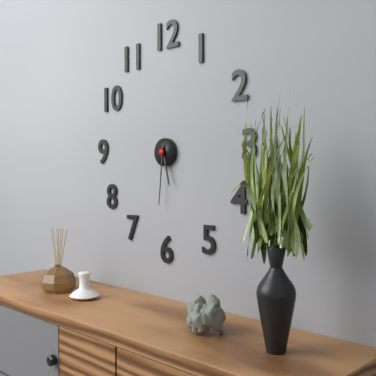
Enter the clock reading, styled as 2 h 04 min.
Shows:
5 h 31 min
